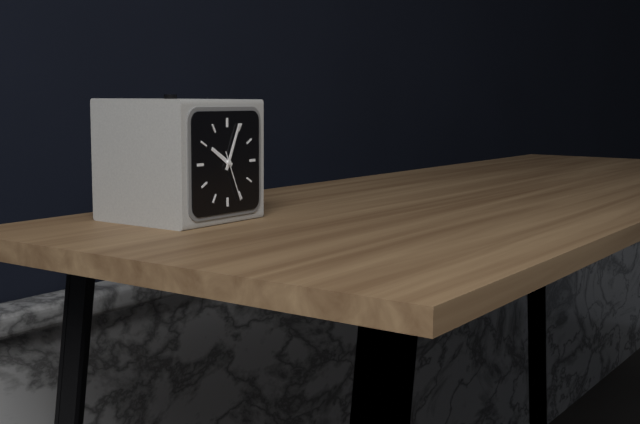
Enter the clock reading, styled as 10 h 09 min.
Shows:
10 h 04 min
